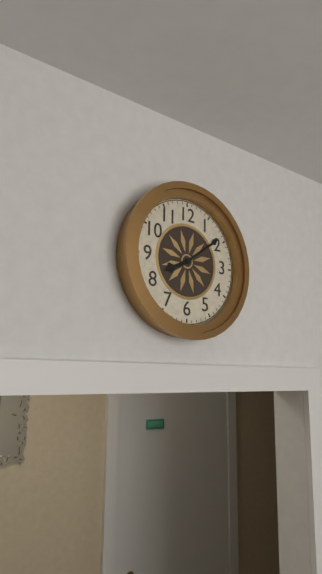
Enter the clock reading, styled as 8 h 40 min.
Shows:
8 h 09 min
